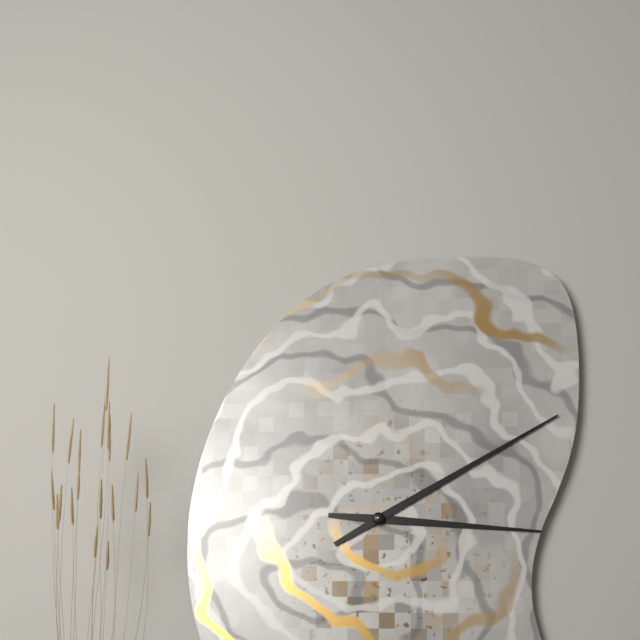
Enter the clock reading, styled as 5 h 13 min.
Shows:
3 h 10 min
